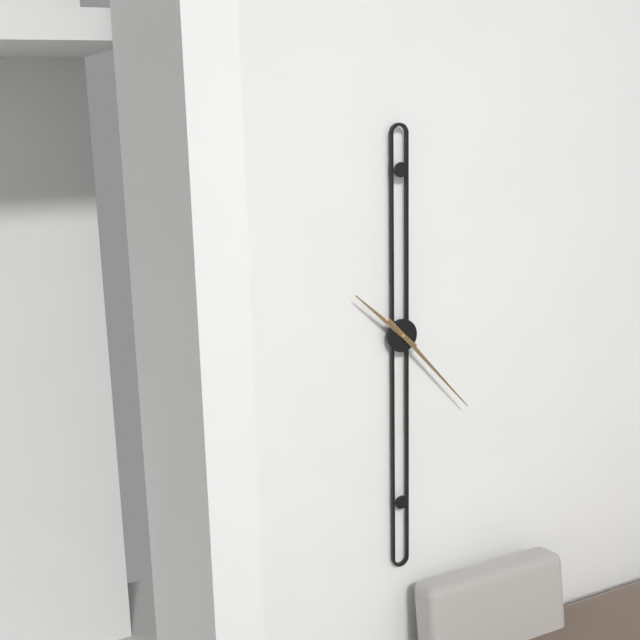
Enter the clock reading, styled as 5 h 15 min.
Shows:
10 h 23 min
